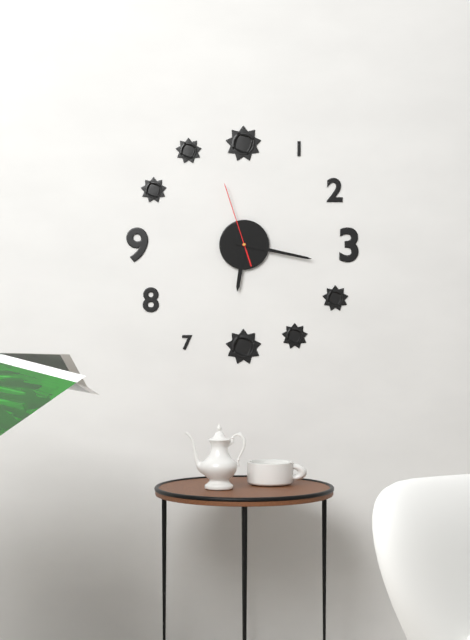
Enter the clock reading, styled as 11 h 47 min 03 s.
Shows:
6 h 17 min 57 s
